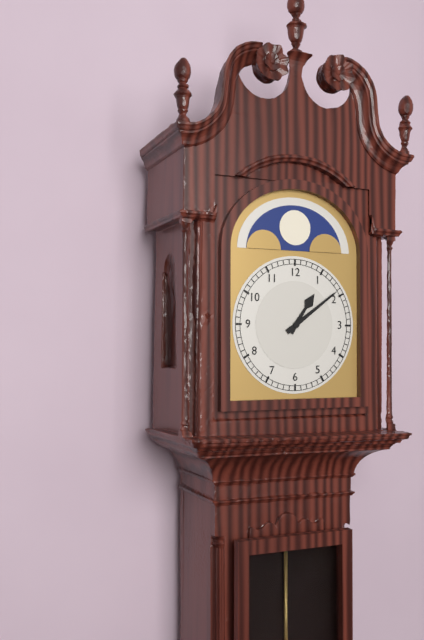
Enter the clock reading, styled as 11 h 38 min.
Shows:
1 h 09 min
